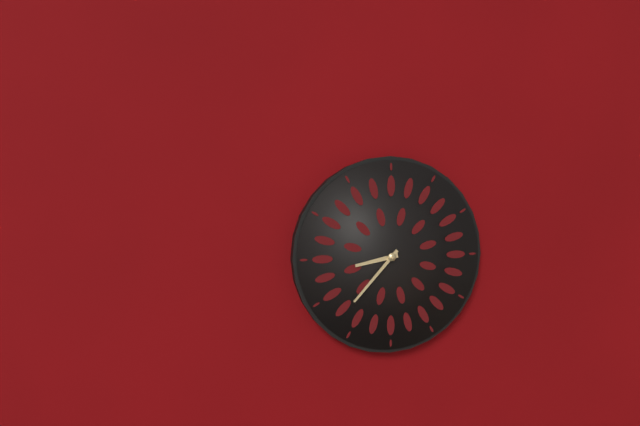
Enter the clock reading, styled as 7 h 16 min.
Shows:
8 h 37 min
